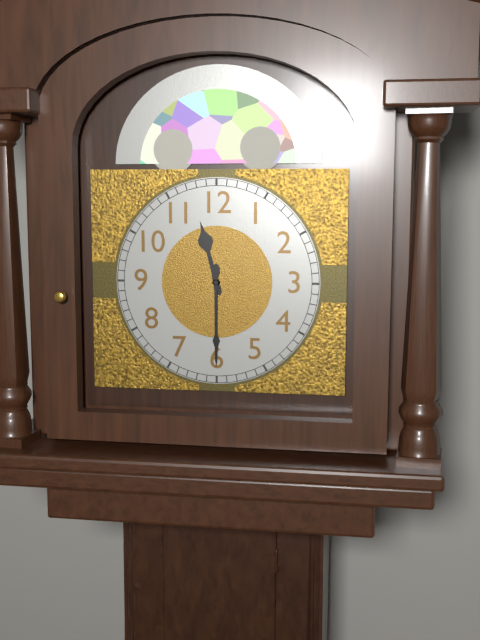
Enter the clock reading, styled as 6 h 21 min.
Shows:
11 h 30 min
